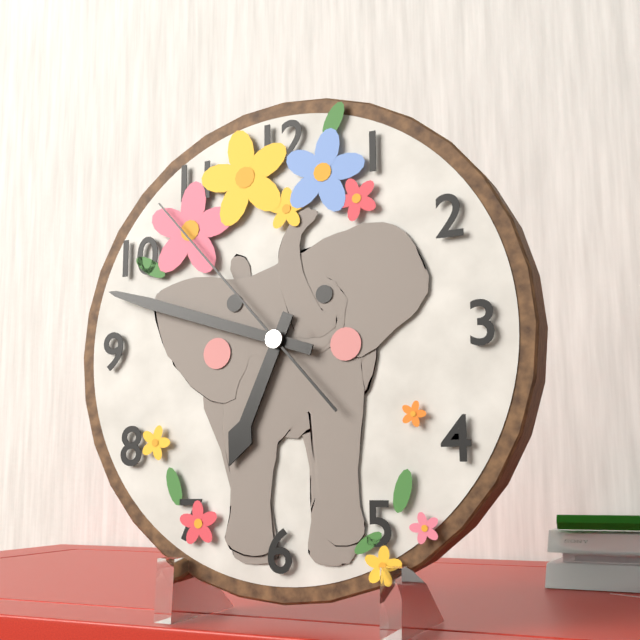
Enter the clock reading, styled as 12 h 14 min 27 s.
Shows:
6 h 48 min 53 s
